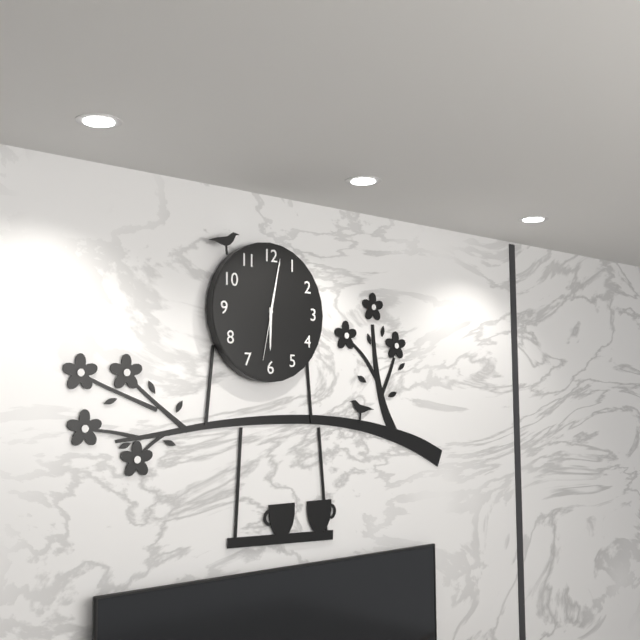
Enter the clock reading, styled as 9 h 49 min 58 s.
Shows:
6 h 02 min 32 s
